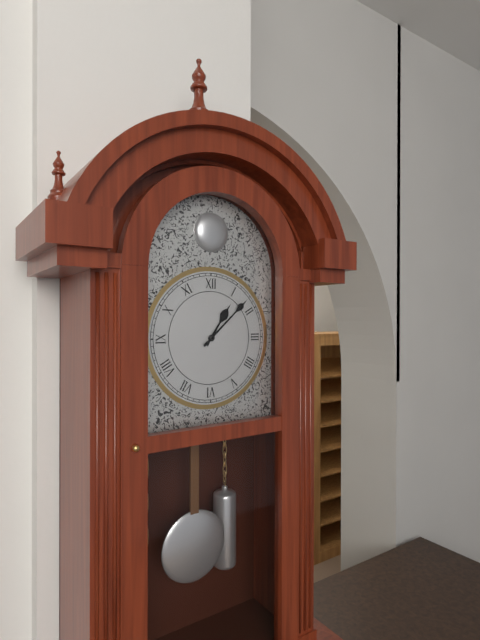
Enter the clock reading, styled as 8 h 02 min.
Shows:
1 h 08 min
